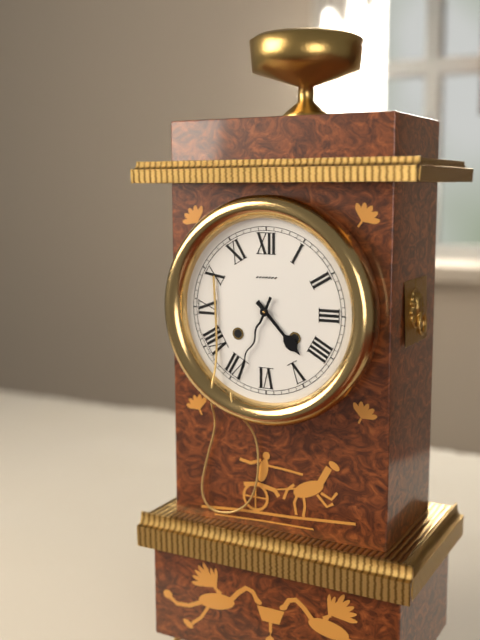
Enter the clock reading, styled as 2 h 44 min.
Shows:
4 h 34 min
